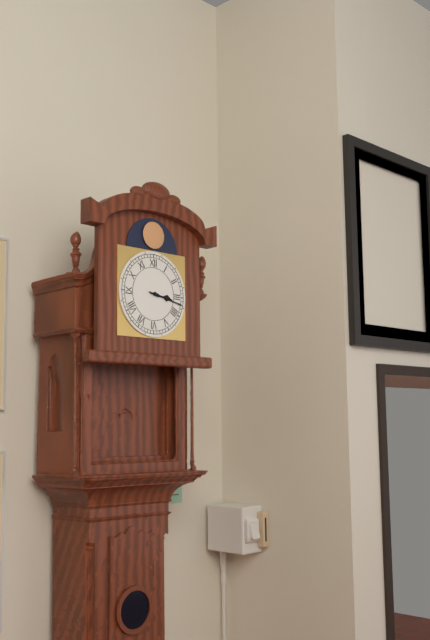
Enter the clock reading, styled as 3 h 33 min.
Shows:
3 h 17 min
